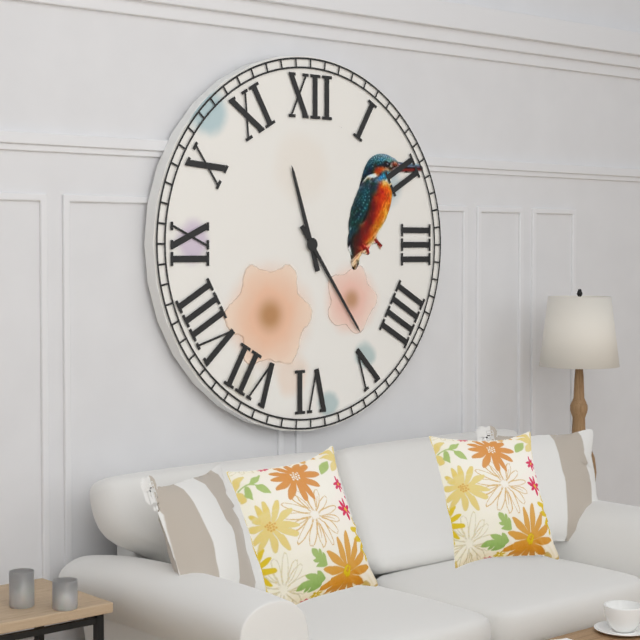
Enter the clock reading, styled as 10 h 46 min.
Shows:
11 h 24 min
